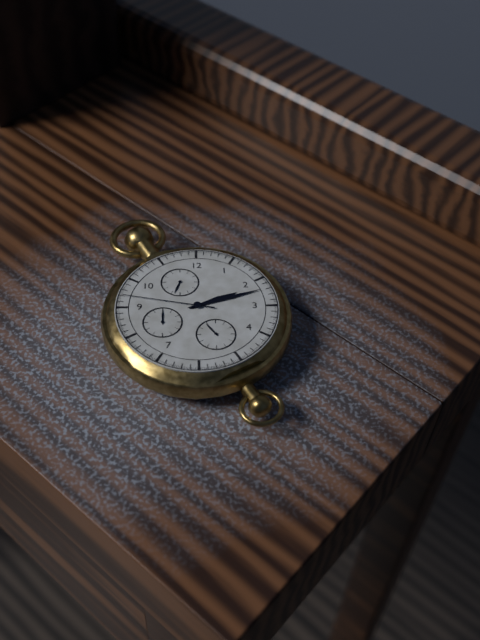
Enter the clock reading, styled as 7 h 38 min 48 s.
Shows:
2 h 12 min 47 s
